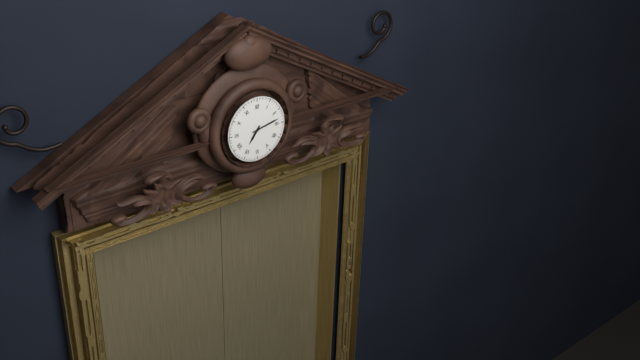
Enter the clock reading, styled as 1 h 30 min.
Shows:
7 h 13 min
